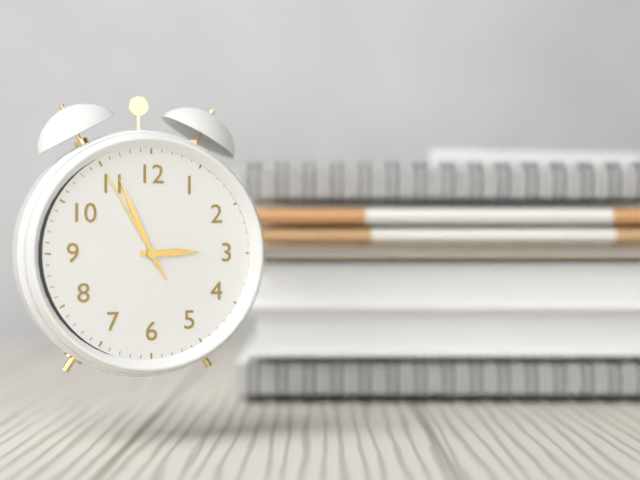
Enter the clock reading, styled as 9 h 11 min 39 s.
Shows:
2 h 56 min 55 s
